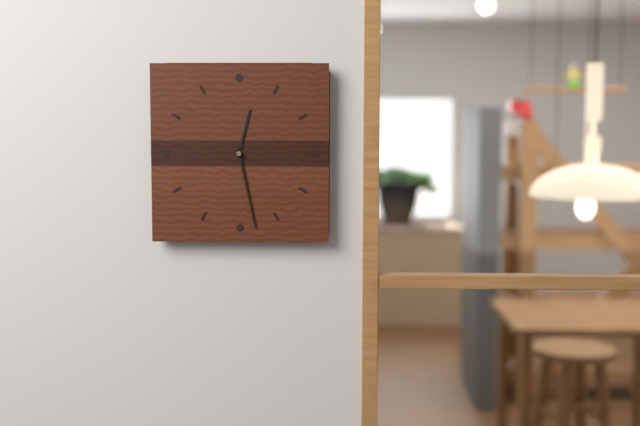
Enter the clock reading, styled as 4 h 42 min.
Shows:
12 h 28 min
